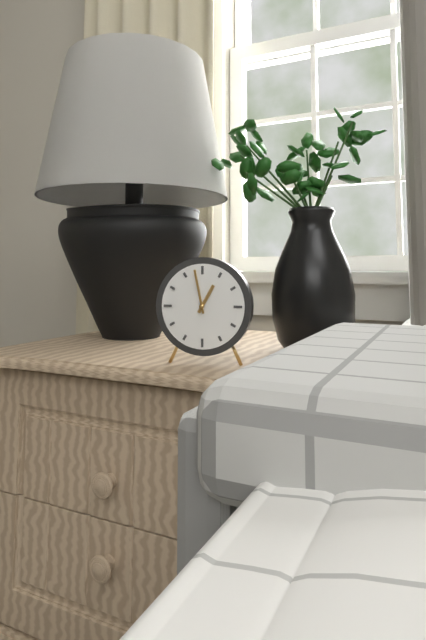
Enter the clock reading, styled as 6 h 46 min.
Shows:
12 h 58 min
